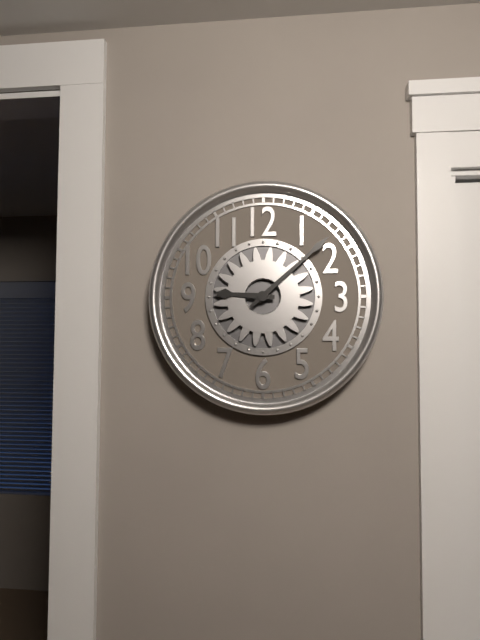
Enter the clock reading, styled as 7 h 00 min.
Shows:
9 h 08 min
